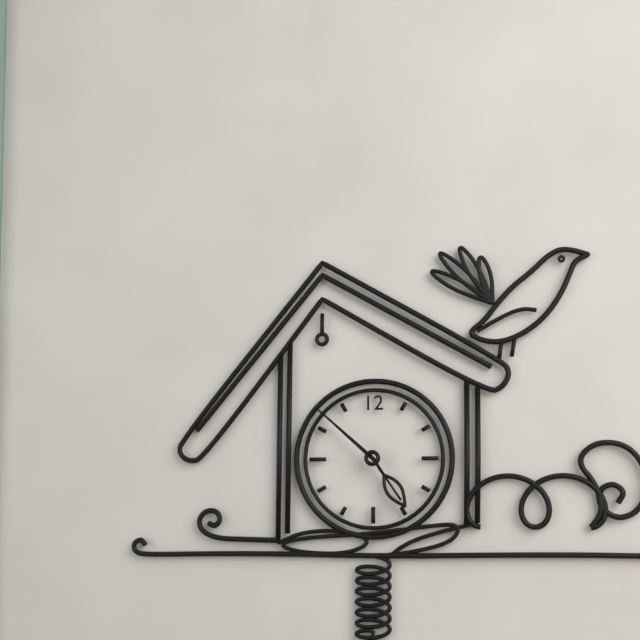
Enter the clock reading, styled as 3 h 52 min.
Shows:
4 h 52 min
